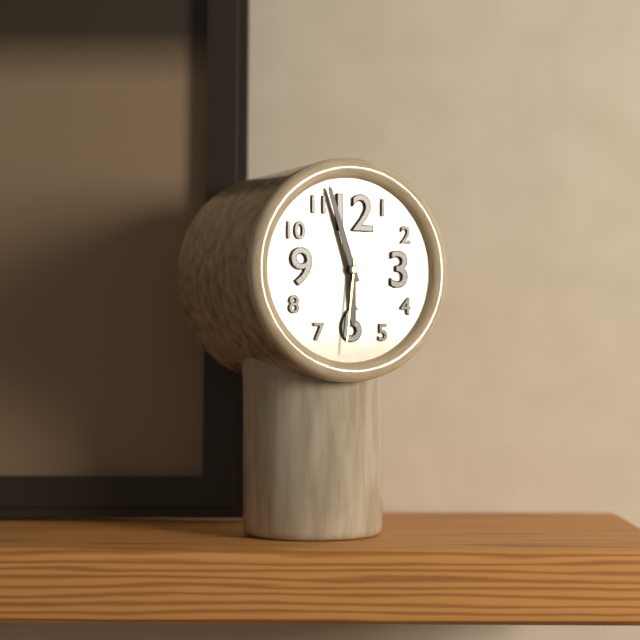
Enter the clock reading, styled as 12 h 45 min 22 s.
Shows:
5 h 57 min 31 s
